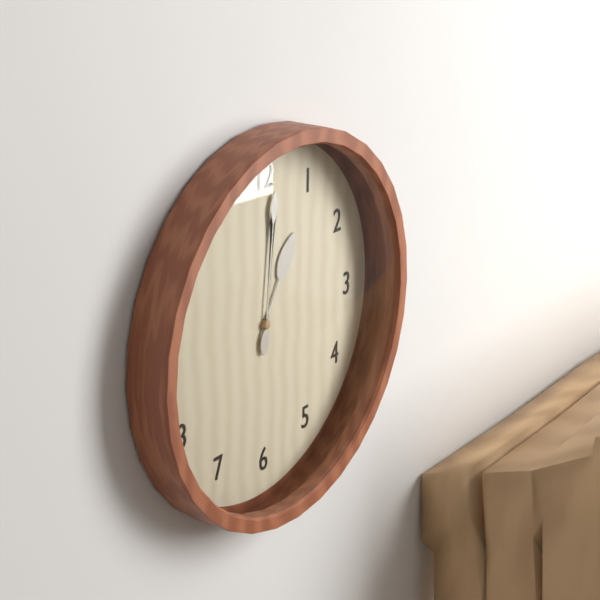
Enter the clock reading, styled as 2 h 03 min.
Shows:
1 h 01 min
